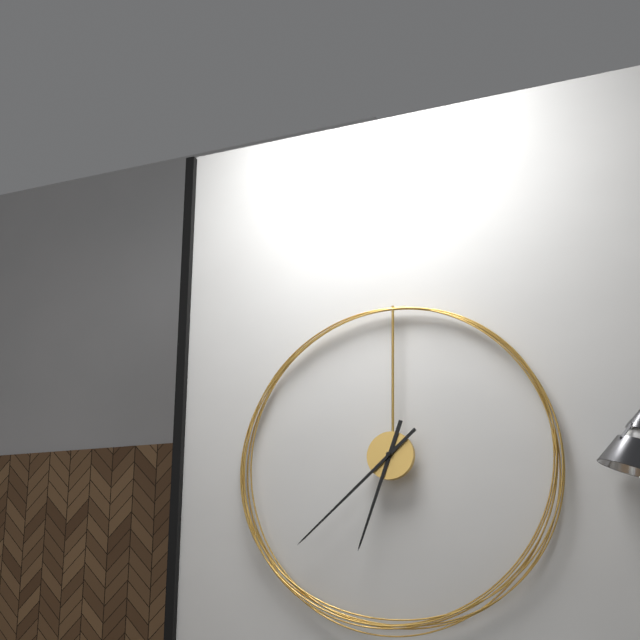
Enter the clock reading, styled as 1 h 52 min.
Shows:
6 h 38 min
